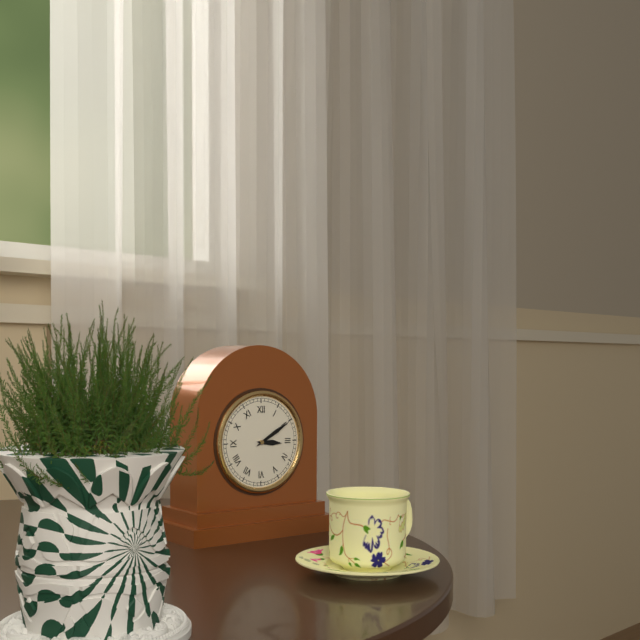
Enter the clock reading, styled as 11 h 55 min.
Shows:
3 h 10 min
